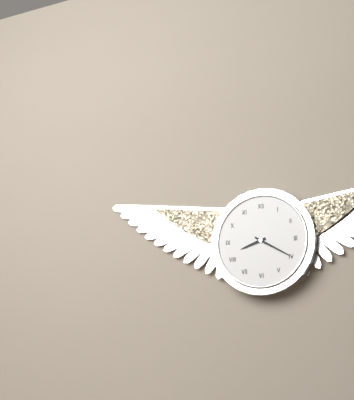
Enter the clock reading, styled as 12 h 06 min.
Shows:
8 h 20 min
